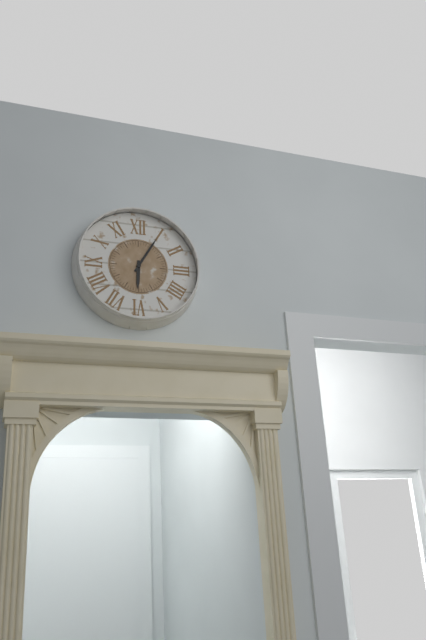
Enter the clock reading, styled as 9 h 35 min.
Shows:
6 h 05 min
